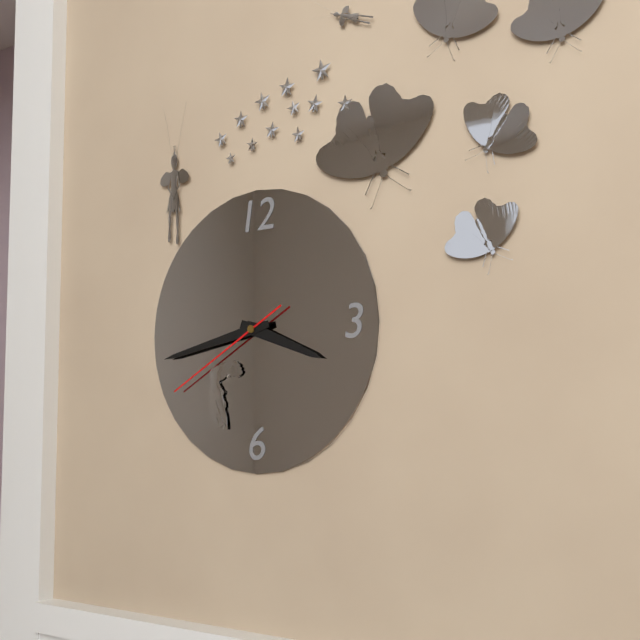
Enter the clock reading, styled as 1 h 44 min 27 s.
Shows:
3 h 43 min 40 s
